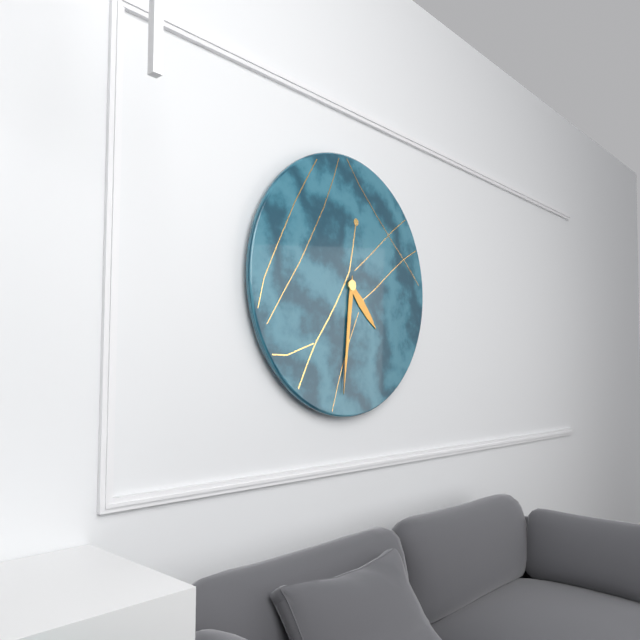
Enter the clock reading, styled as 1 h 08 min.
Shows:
4 h 31 min
